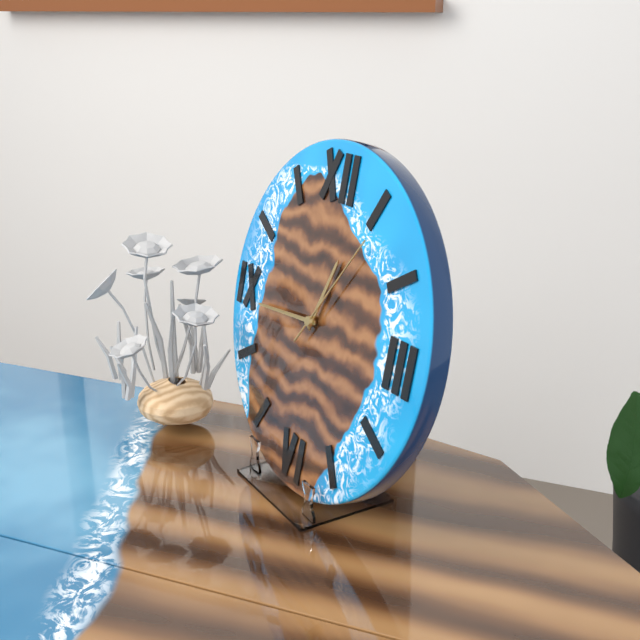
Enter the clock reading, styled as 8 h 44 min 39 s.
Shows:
12 h 44 min 06 s
